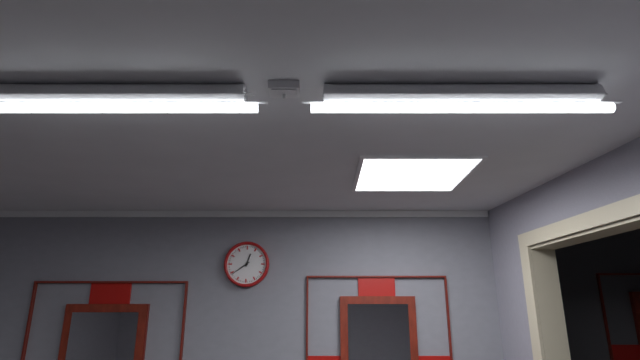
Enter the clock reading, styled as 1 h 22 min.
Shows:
12 h 39 min
